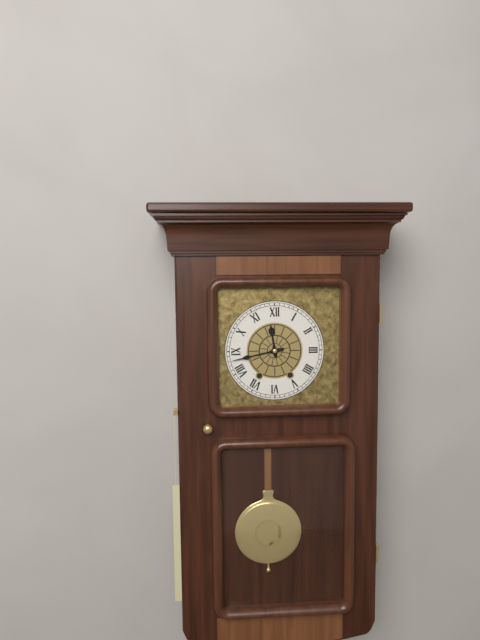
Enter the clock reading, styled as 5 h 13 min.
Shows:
11 h 43 min
